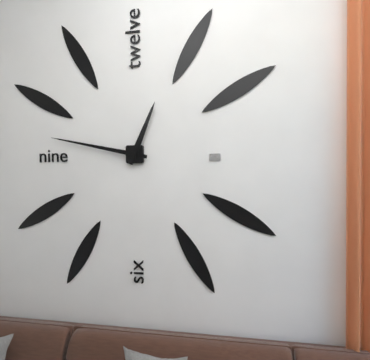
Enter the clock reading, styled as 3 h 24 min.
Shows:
12 h 47 min
